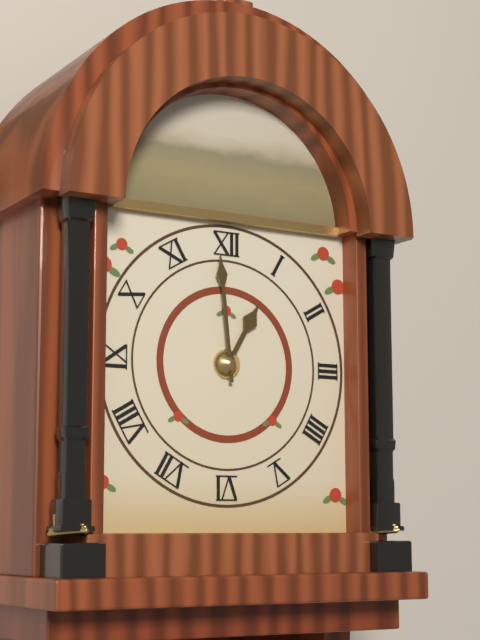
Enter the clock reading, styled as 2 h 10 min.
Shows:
12 h 59 min
